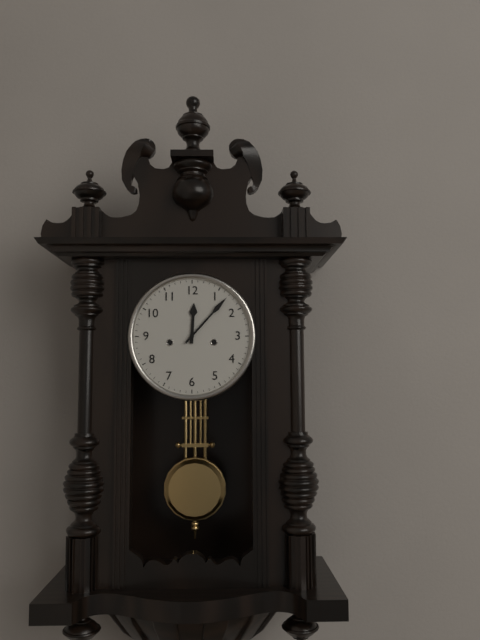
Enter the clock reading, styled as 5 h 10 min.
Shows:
12 h 07 min
